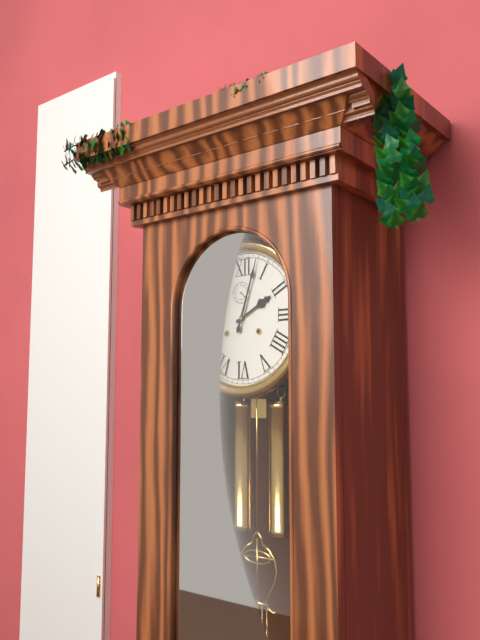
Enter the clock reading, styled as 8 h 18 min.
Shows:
2 h 03 min
